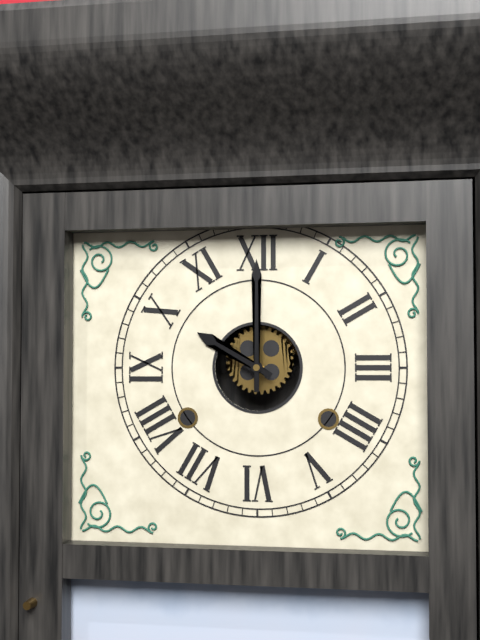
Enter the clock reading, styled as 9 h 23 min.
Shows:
10 h 00 min
